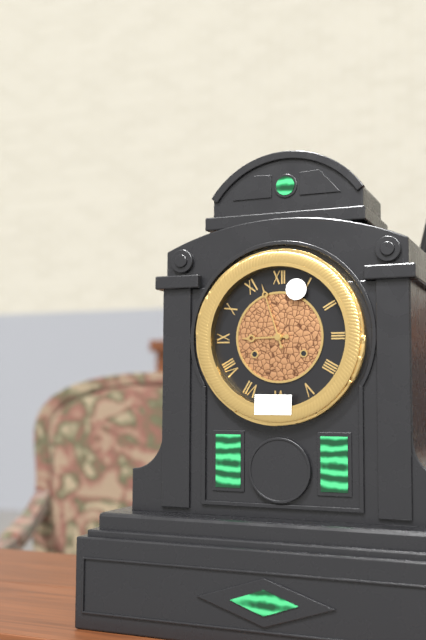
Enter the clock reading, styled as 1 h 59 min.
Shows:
8 h 57 min
